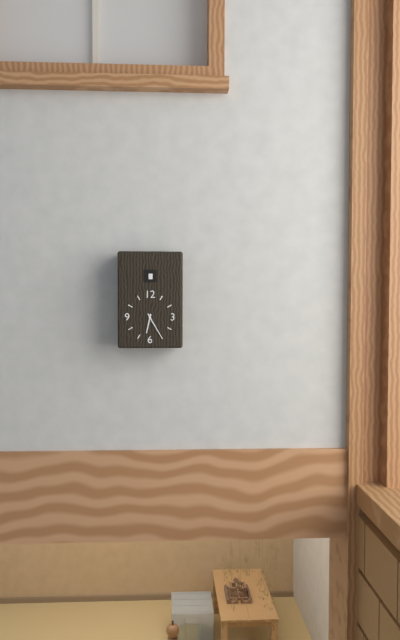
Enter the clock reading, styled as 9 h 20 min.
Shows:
6 h 25 min
